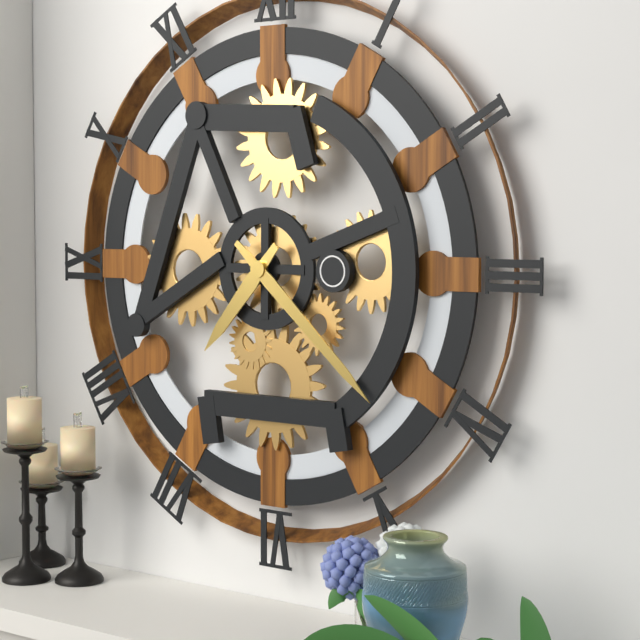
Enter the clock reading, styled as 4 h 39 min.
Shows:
7 h 22 min
